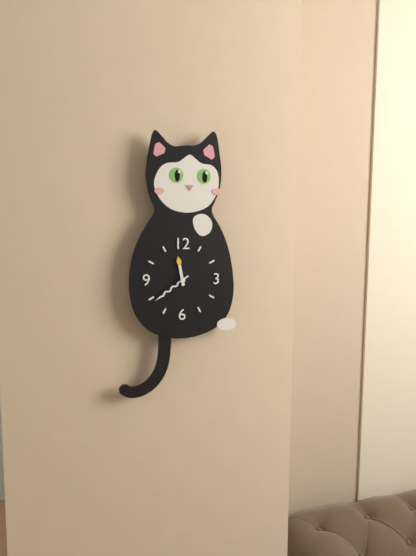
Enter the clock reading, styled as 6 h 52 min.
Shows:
11 h 39 min
